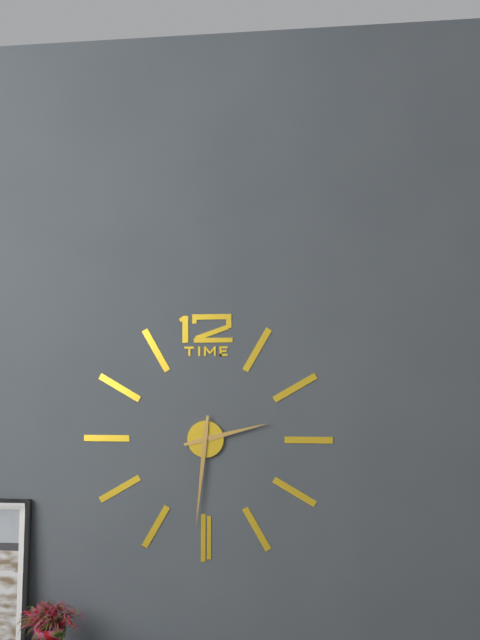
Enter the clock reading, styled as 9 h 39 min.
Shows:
2 h 31 min
